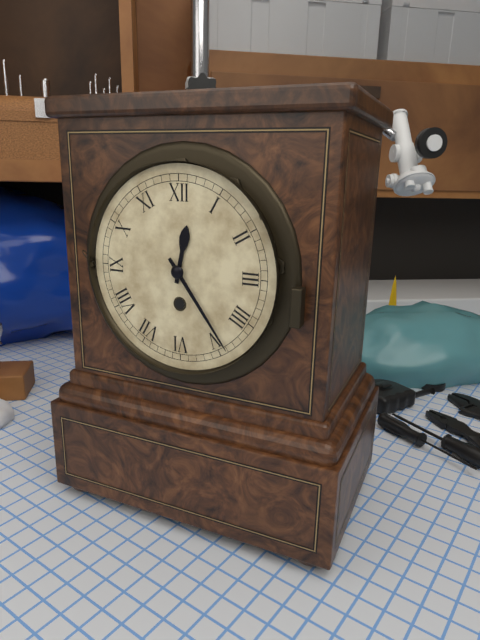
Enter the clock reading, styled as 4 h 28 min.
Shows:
12 h 24 min
